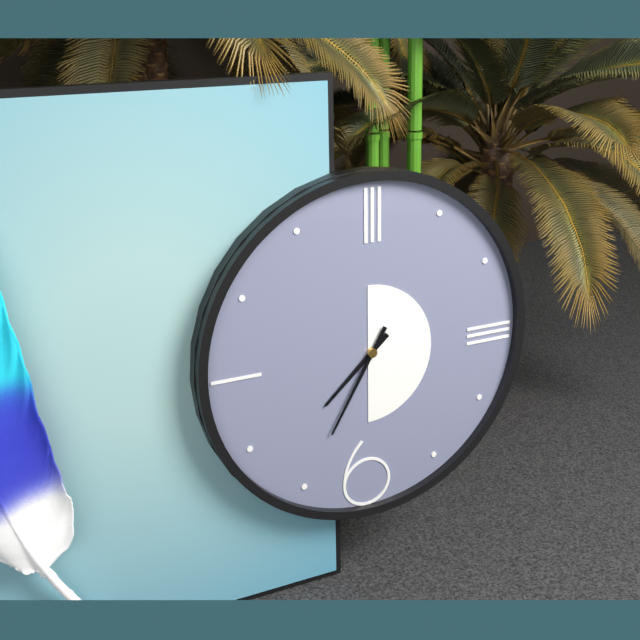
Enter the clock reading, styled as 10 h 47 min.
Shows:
7 h 35 min
